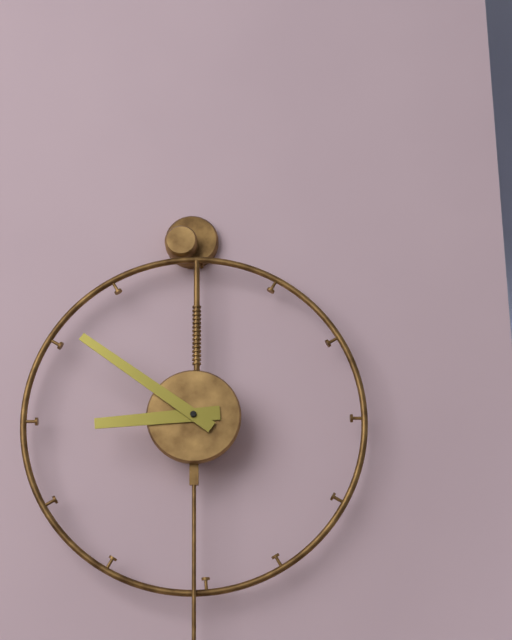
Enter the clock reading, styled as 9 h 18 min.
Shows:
8 h 51 min
